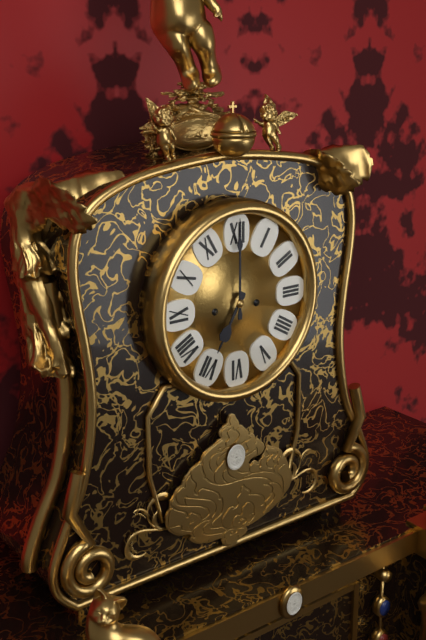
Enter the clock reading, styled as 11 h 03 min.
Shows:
7 h 00 min
